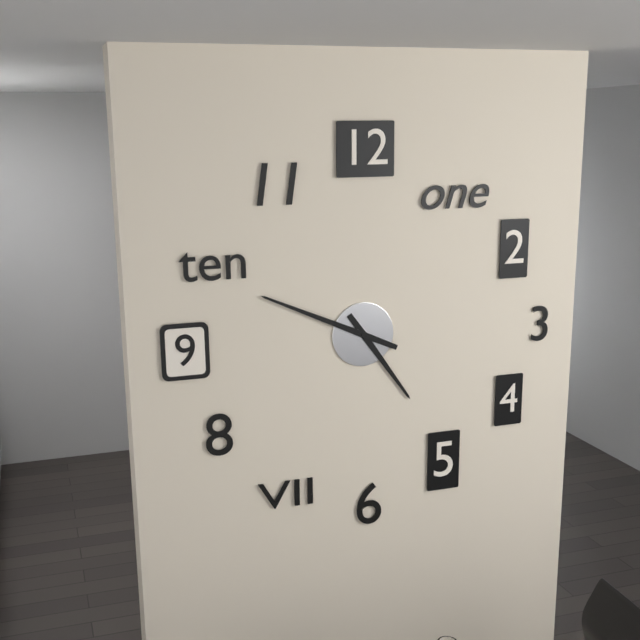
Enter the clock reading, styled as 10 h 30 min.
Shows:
4 h 49 min
